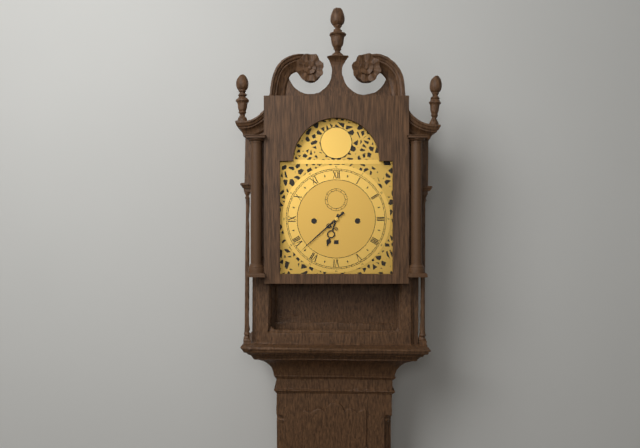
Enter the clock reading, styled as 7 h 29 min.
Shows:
6 h 38 min
